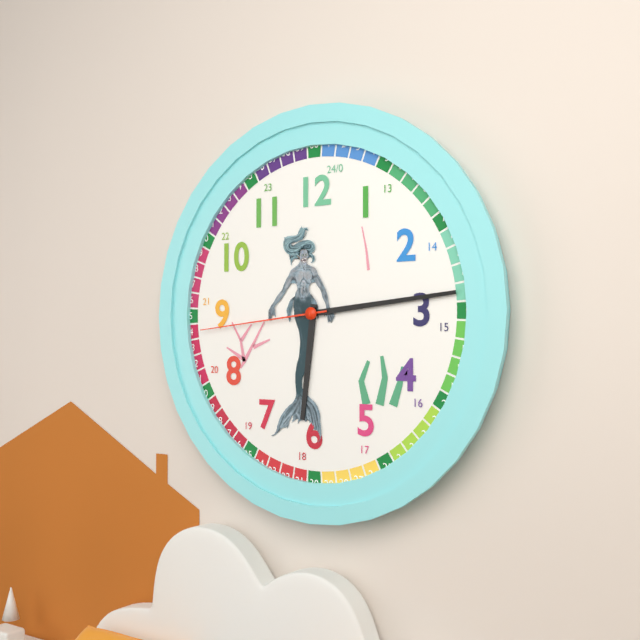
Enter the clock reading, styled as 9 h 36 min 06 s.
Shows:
6 h 14 min 44 s
